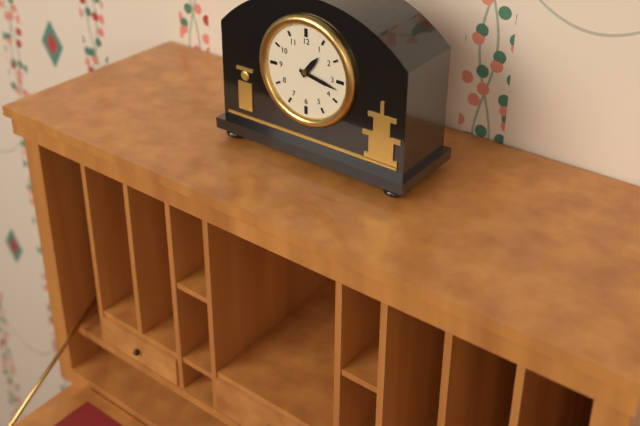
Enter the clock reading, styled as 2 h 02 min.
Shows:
1 h 17 min
